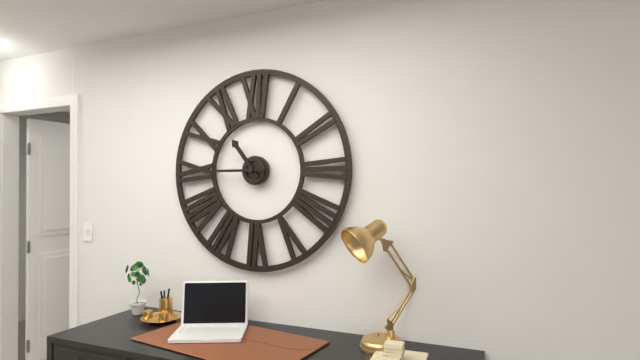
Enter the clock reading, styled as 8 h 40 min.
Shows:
10 h 45 min
